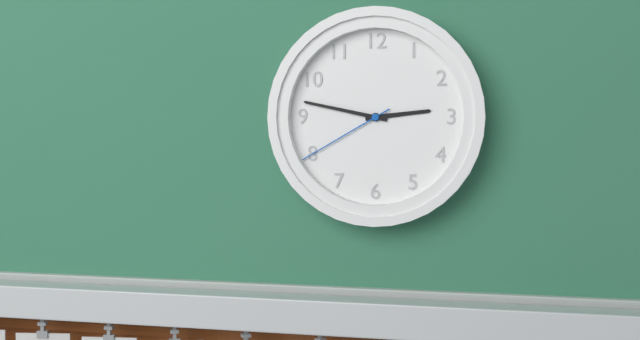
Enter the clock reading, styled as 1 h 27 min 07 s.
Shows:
2 h 47 min 40 s
